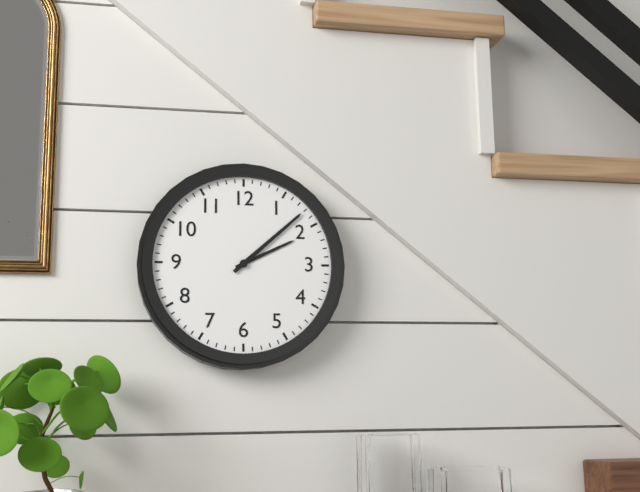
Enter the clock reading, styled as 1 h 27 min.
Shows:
2 h 08 min
